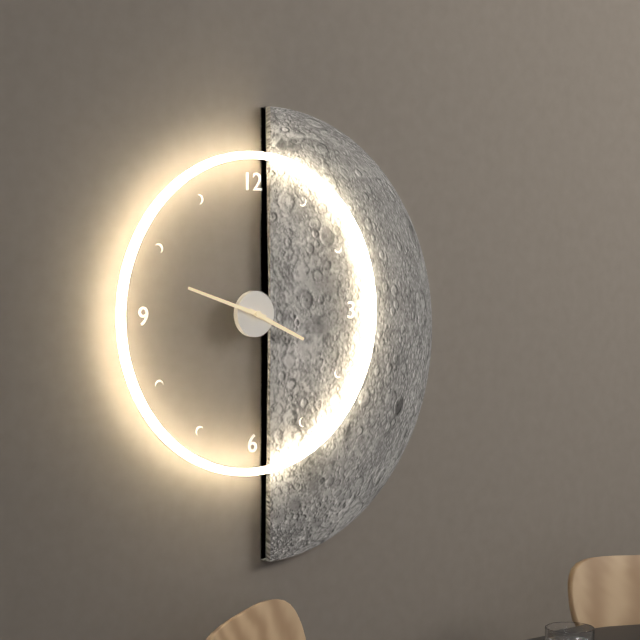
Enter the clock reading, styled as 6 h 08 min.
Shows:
3 h 48 min
